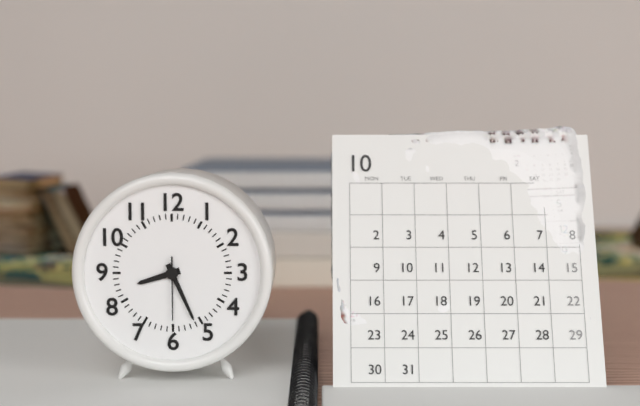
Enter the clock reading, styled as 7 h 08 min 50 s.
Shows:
8 h 26 min 30 s
